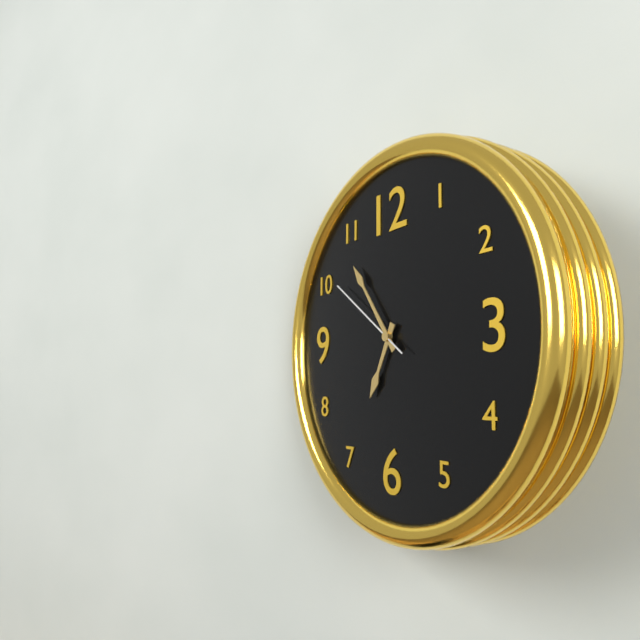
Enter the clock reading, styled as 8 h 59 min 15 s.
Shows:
6 h 54 min 51 s
